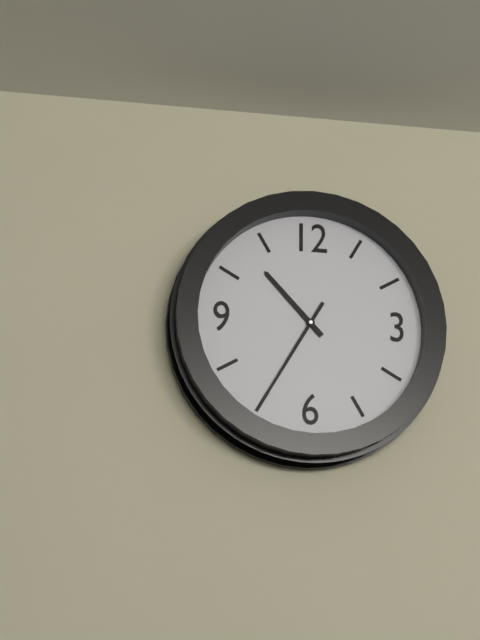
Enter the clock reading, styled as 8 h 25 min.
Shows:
10 h 35 min
